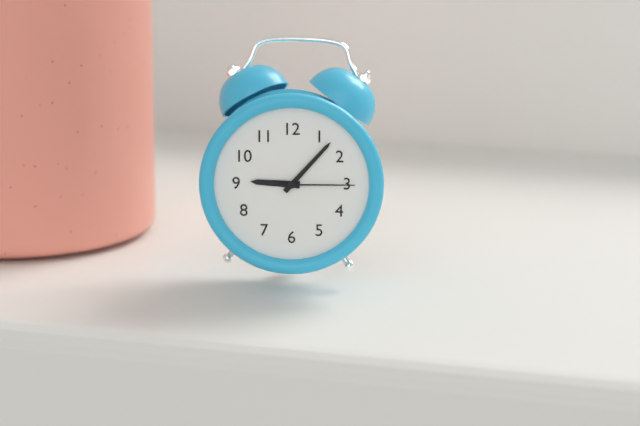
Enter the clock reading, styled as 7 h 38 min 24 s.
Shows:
9 h 07 min 15 s
